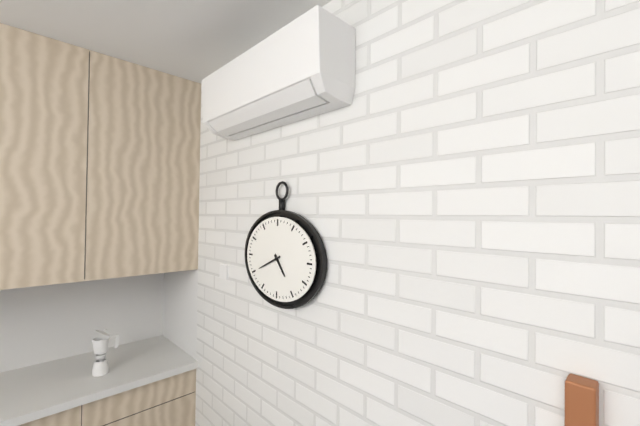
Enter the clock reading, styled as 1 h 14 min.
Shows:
4 h 41 min
